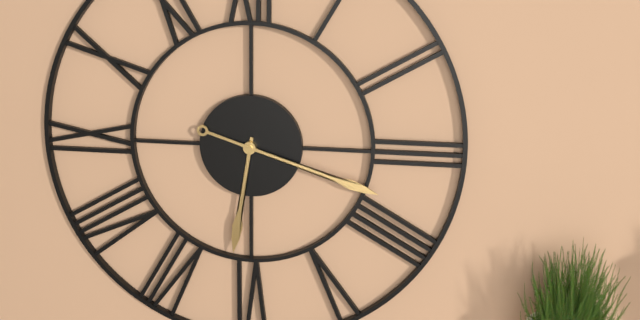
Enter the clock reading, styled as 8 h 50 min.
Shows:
6 h 18 min
